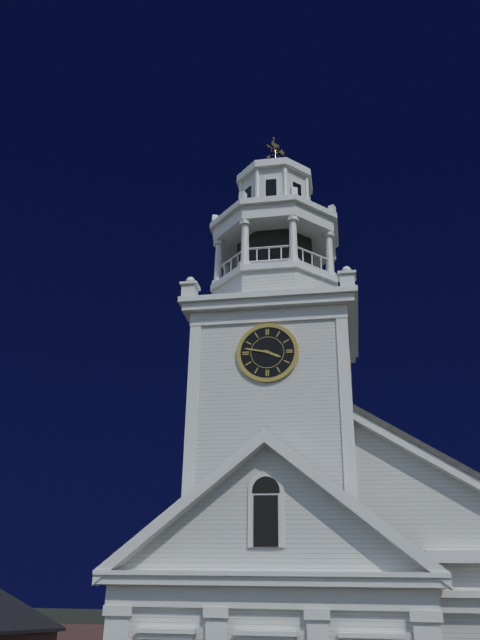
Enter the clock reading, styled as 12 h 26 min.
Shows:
3 h 47 min
